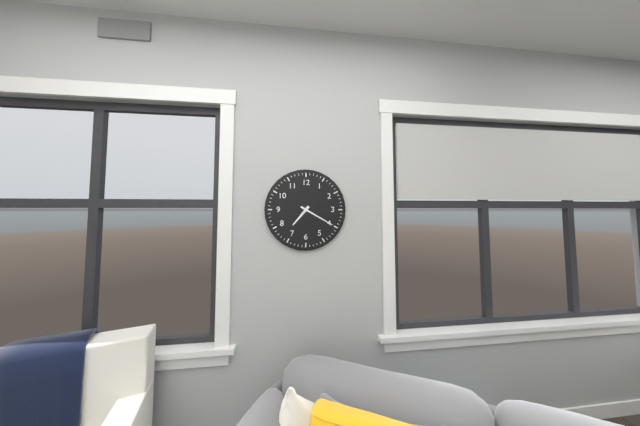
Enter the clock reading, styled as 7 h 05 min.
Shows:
7 h 20 min
